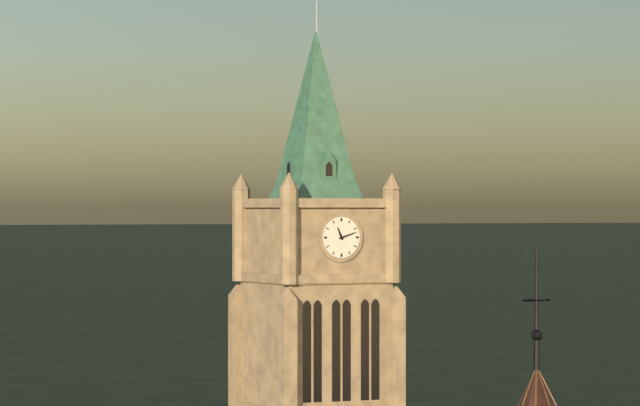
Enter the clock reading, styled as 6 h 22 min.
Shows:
11 h 12 min
